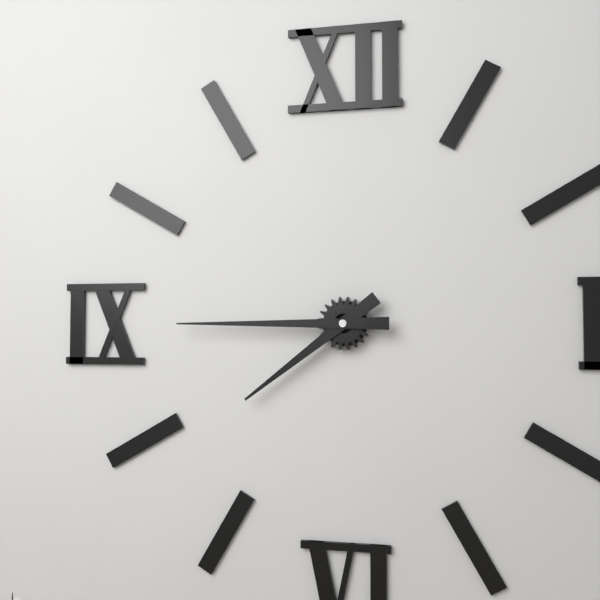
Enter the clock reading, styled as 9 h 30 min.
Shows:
7 h 45 min
